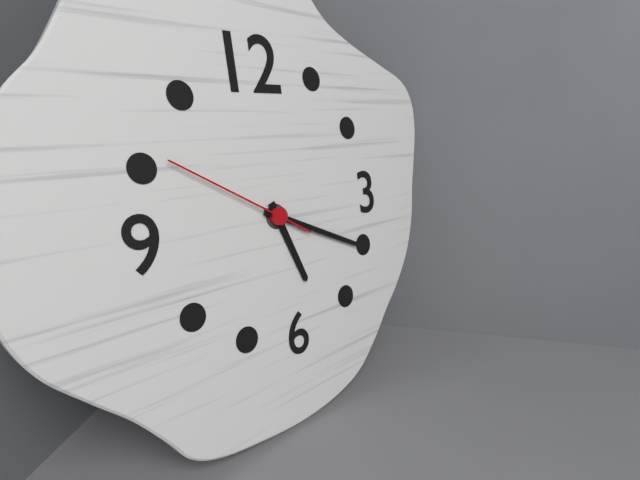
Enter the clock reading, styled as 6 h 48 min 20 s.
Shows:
5 h 19 min 50 s
